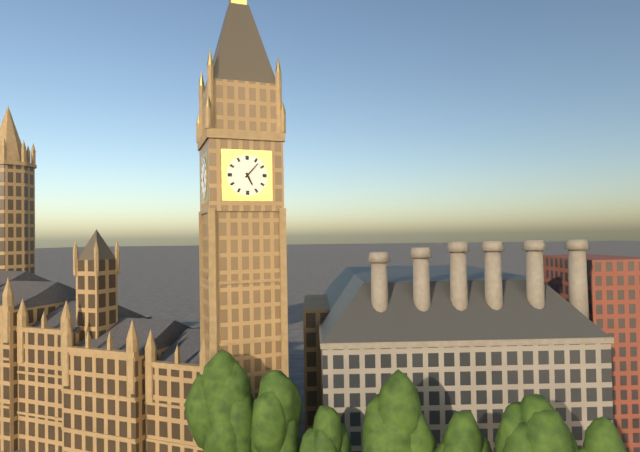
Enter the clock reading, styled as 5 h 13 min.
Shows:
5 h 07 min
